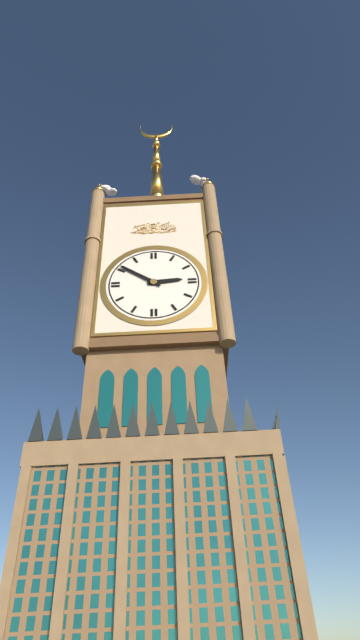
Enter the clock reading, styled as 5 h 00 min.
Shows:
2 h 51 min
